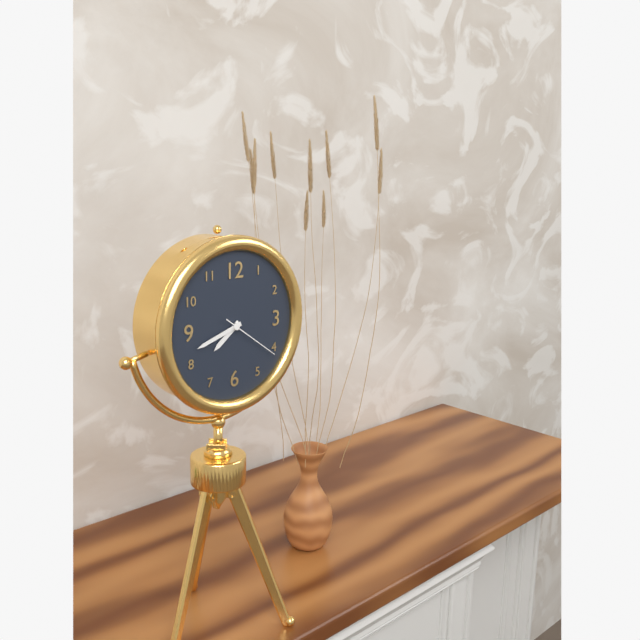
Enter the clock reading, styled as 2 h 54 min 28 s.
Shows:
7 h 42 min 21 s
